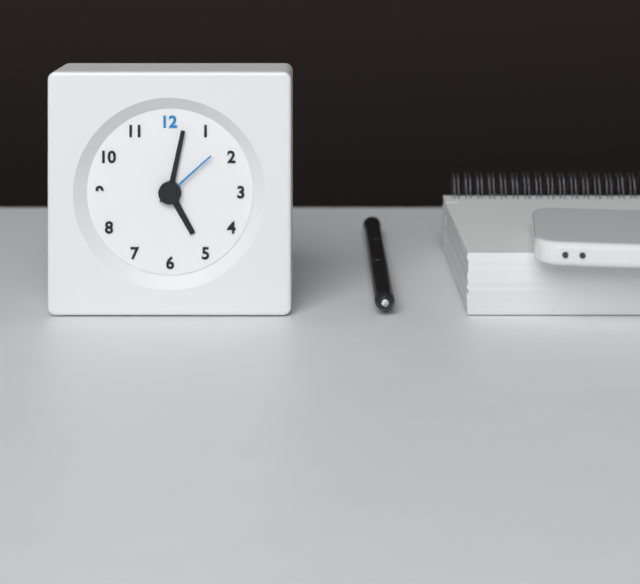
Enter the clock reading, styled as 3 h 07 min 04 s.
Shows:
5 h 02 min 08 s
